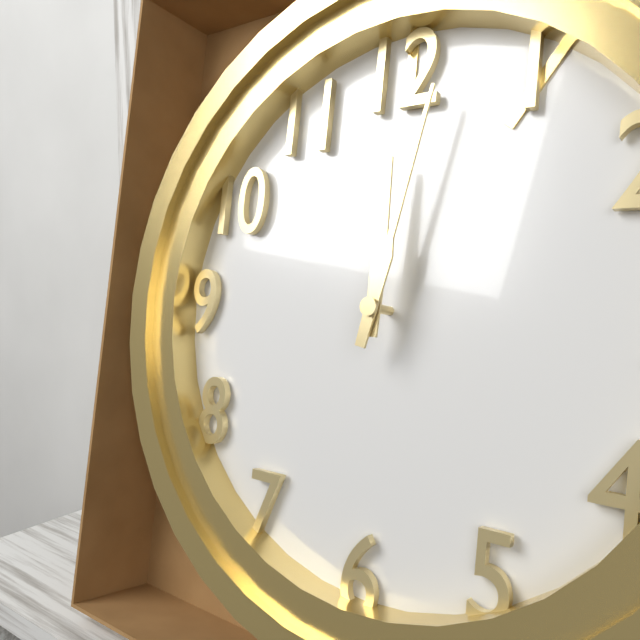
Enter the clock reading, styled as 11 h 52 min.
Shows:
12 h 02 min
